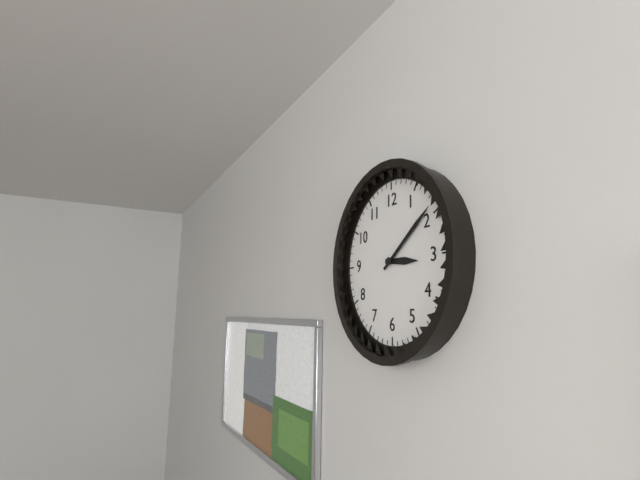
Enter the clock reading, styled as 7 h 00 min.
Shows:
3 h 09 min
